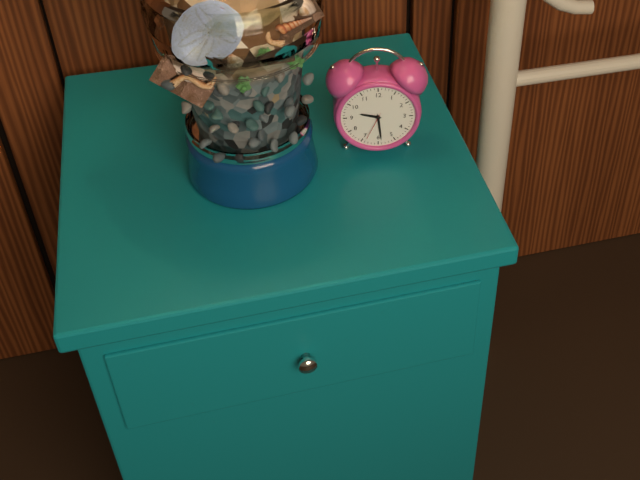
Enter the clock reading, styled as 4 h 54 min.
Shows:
9 h 29 min
